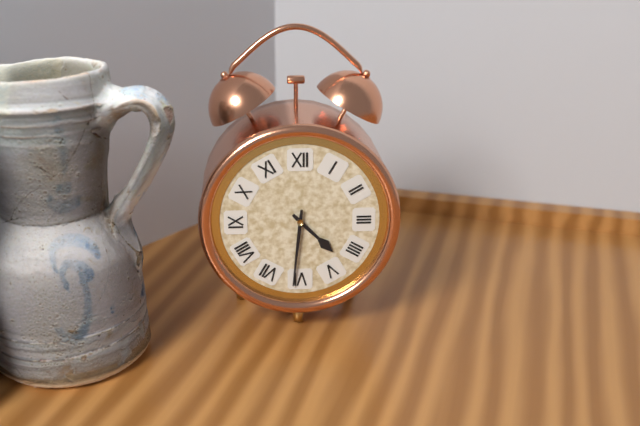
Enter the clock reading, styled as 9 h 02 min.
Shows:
4 h 31 min
